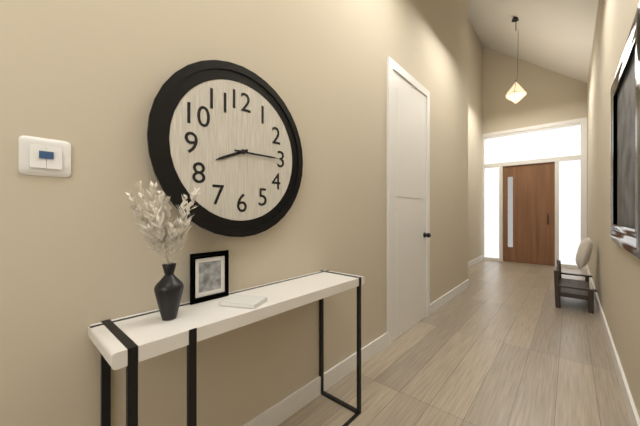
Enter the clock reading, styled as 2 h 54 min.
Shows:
8 h 15 min
